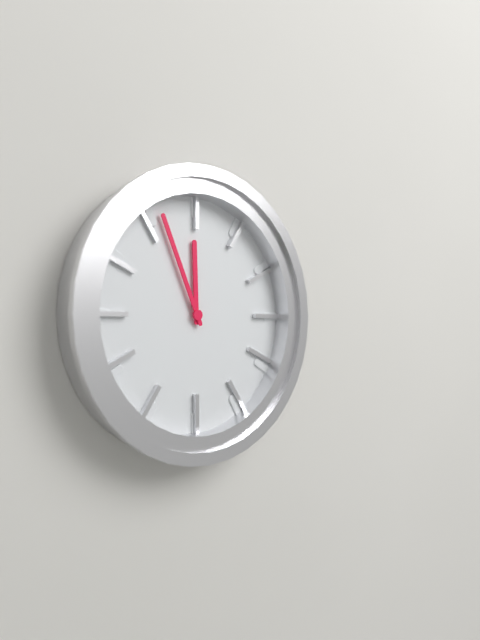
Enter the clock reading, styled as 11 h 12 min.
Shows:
11 h 56 min
